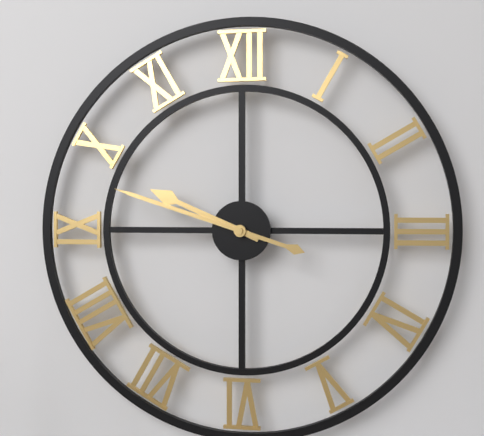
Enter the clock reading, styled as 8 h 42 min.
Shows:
9 h 48 min
